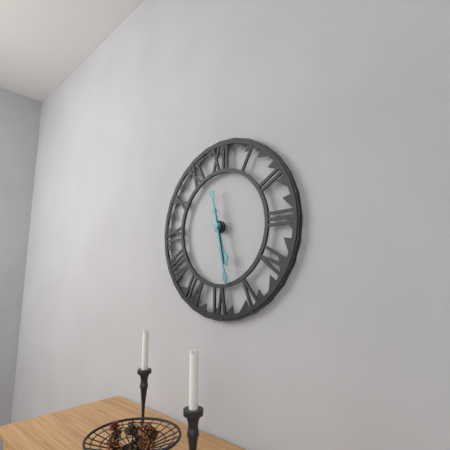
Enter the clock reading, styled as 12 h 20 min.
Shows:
5 h 28 min
